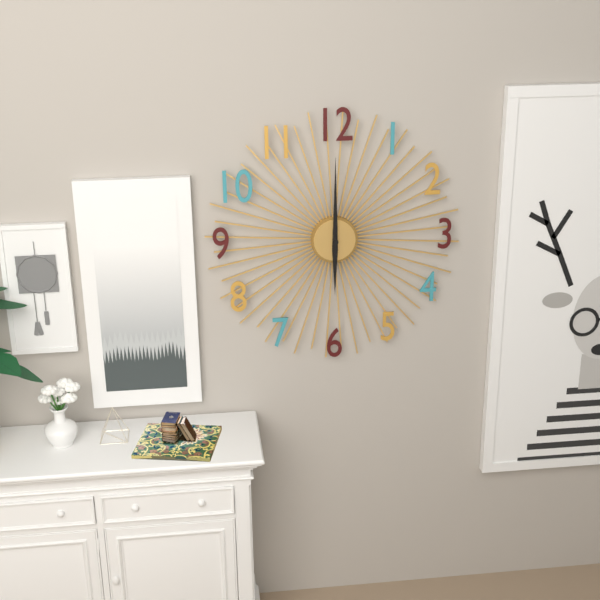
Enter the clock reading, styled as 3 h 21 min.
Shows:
6 h 00 min
